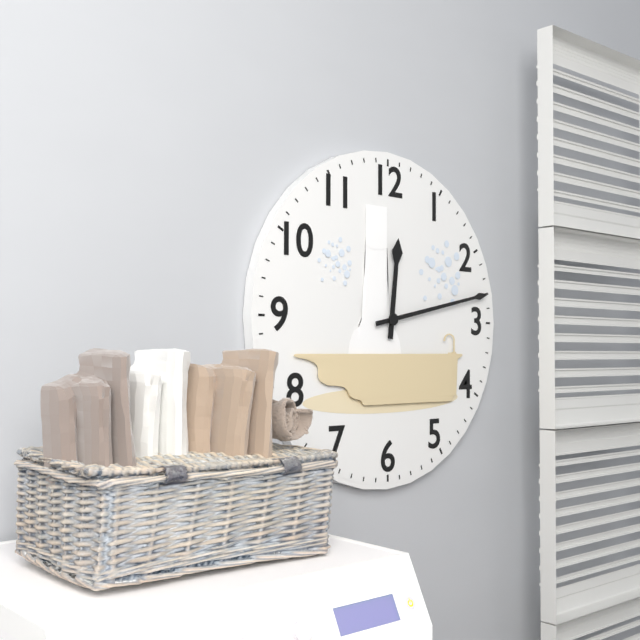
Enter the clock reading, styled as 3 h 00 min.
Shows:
12 h 13 min
